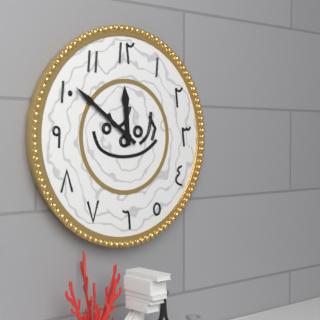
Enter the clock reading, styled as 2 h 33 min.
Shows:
11 h 51 min
